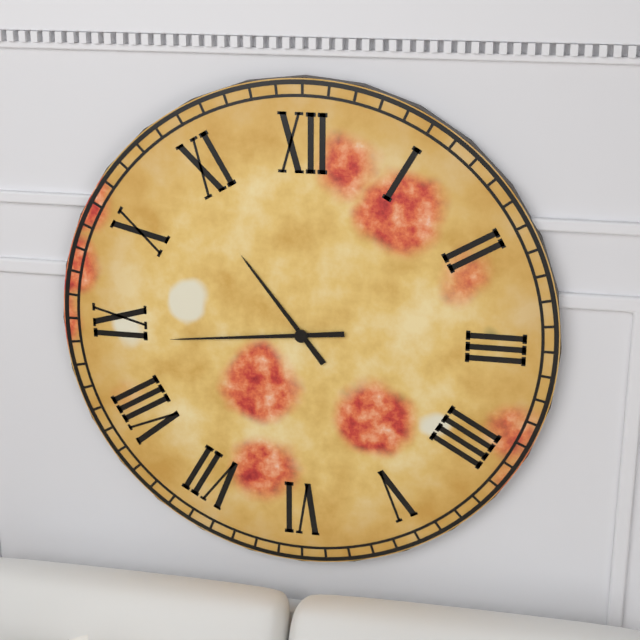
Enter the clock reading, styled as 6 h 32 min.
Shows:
10 h 44 min
